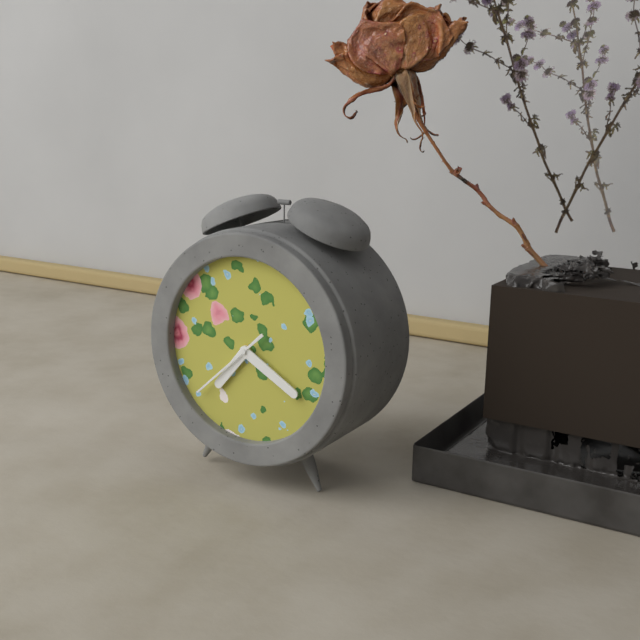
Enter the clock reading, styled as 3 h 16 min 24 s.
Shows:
7 h 20 min 38 s
